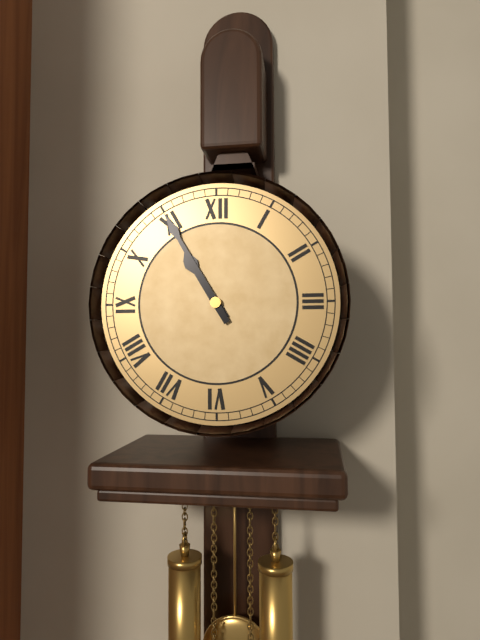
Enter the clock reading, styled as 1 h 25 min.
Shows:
10 h 55 min
